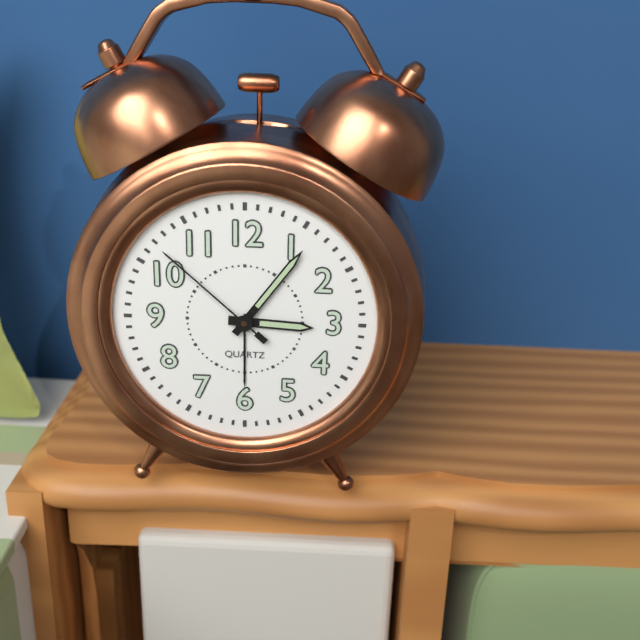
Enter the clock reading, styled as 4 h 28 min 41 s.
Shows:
3 h 06 min 52 s
